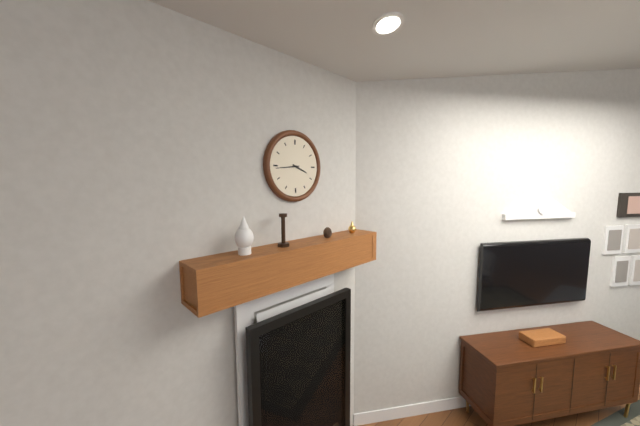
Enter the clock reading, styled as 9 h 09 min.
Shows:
3 h 44 min
